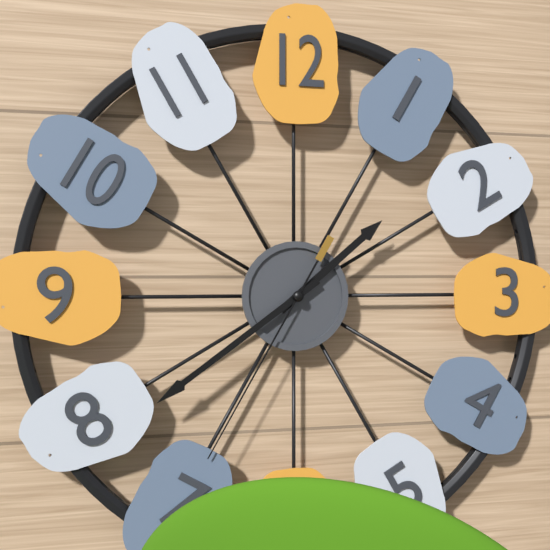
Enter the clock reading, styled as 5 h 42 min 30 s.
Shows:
1 h 39 min 35 s
